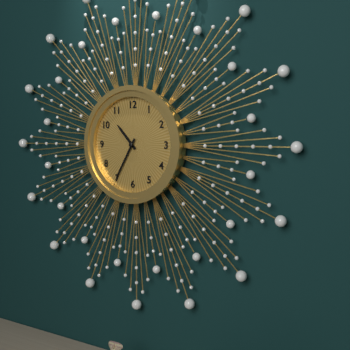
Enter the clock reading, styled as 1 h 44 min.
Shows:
10 h 35 min
